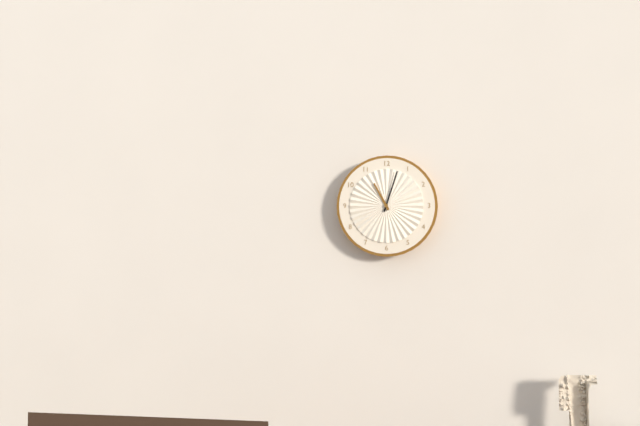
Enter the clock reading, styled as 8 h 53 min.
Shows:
11 h 03 min
